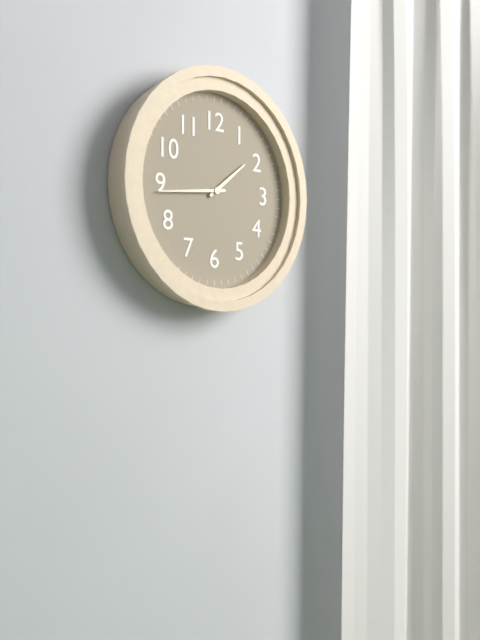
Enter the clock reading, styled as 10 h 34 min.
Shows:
1 h 44 min
